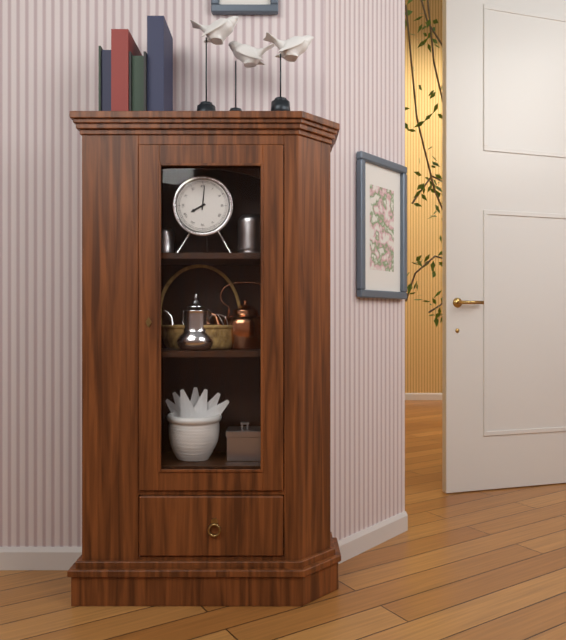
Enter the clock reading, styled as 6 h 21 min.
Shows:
8 h 01 min
